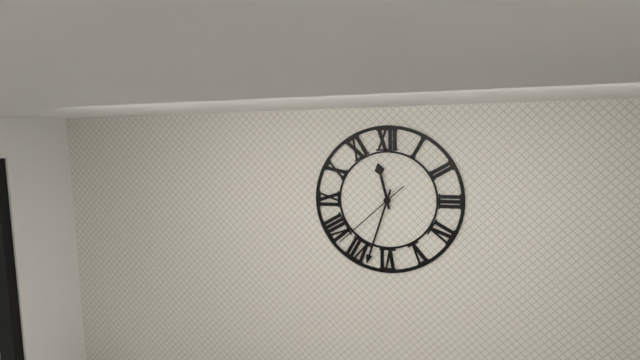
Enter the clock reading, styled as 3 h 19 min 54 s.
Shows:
11 h 33 min 38 s
